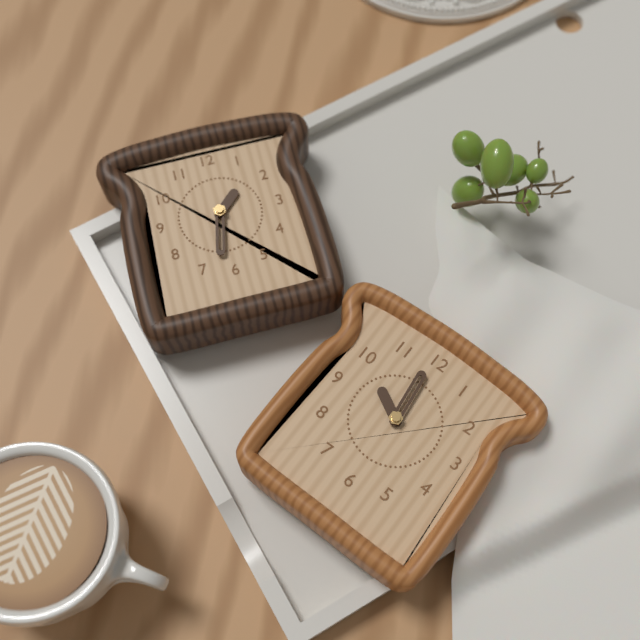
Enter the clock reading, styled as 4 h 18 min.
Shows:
9 h 59 min
